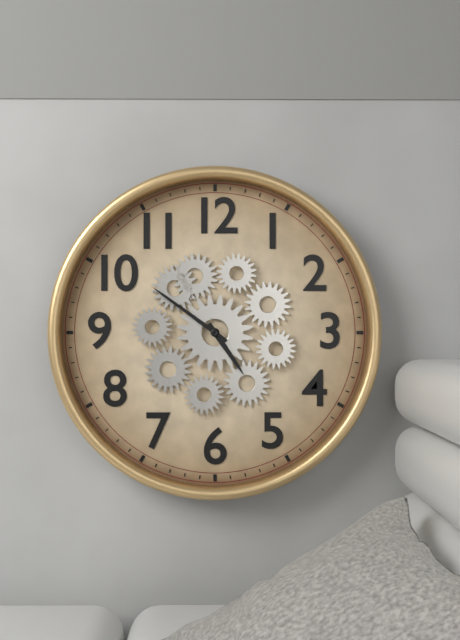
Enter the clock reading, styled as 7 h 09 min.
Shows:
4 h 51 min
